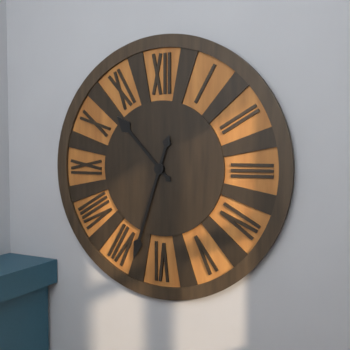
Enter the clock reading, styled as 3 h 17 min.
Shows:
10 h 33 min
